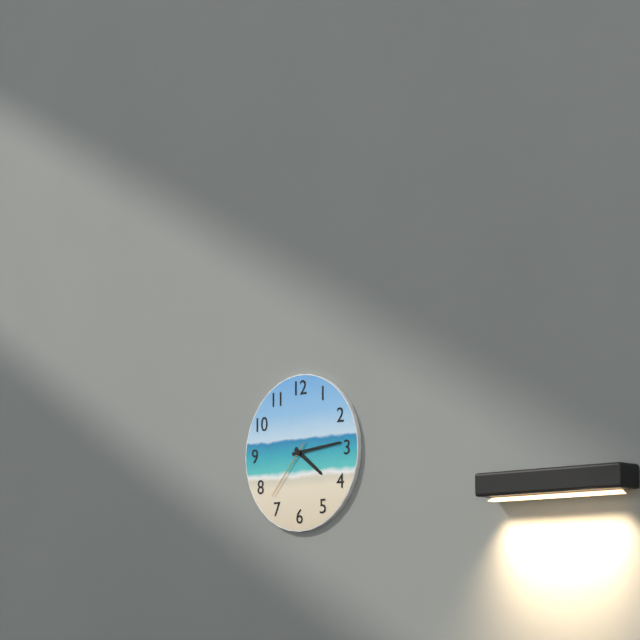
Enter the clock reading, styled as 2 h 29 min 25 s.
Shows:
4 h 14 min 37 s
